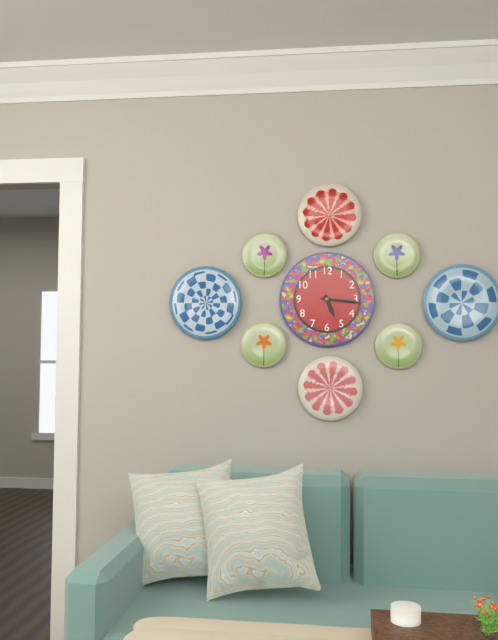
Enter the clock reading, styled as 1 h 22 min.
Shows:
5 h 16 min
